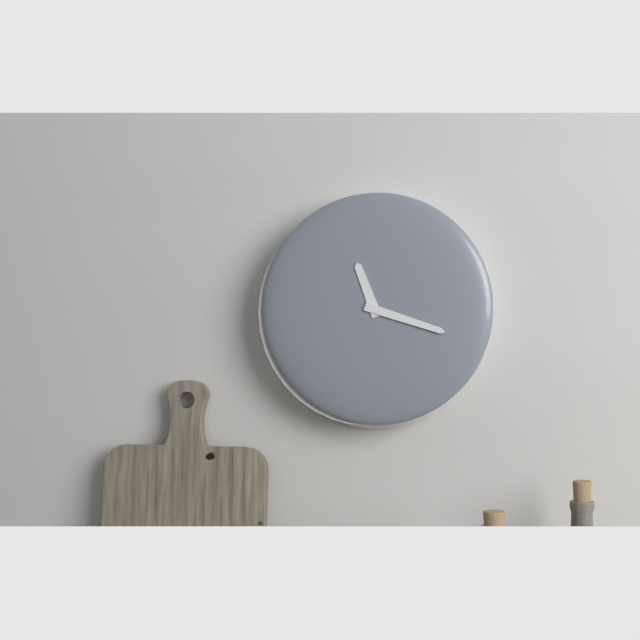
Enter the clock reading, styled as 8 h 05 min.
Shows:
11 h 18 min
